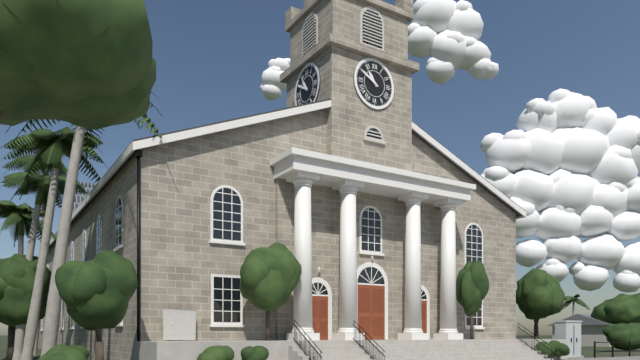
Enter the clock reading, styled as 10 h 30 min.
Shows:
10 h 50 min
